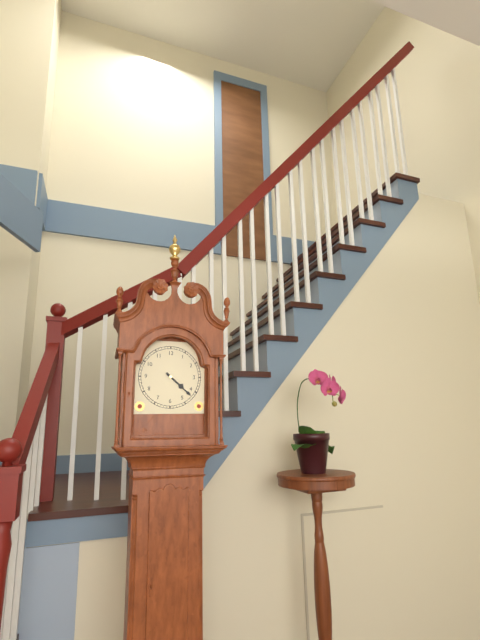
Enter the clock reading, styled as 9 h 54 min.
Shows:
4 h 22 min
